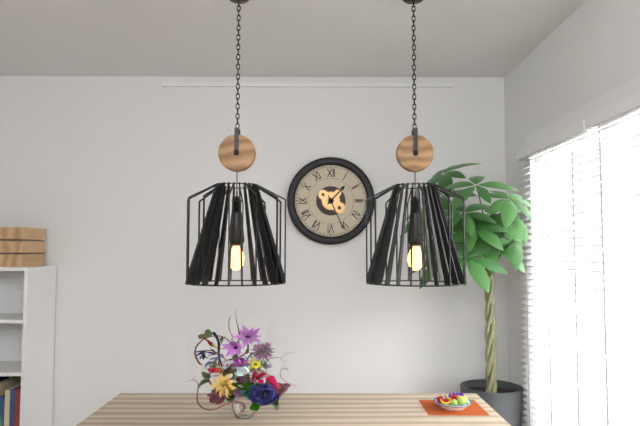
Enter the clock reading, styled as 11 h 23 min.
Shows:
1 h 26 min
